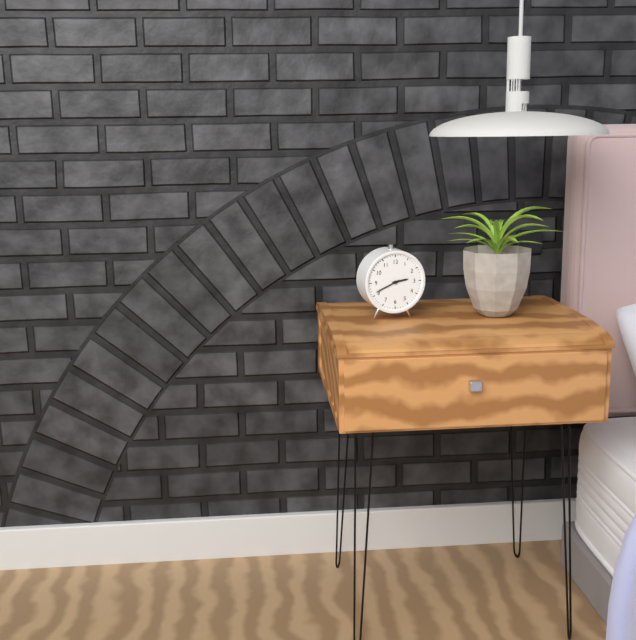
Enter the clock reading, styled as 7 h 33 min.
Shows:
2 h 41 min
